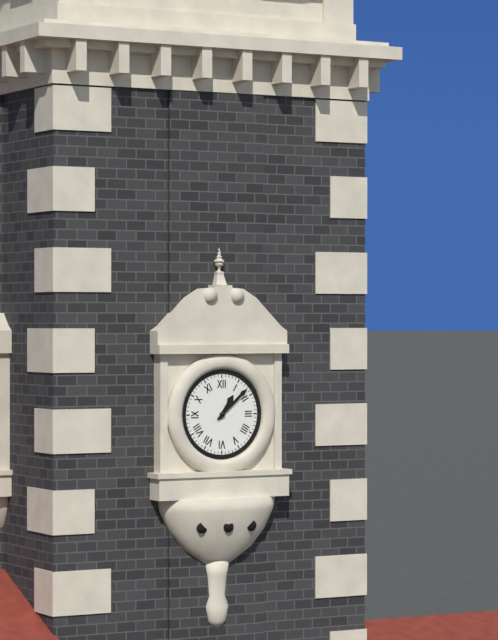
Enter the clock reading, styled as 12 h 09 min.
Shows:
1 h 08 min
